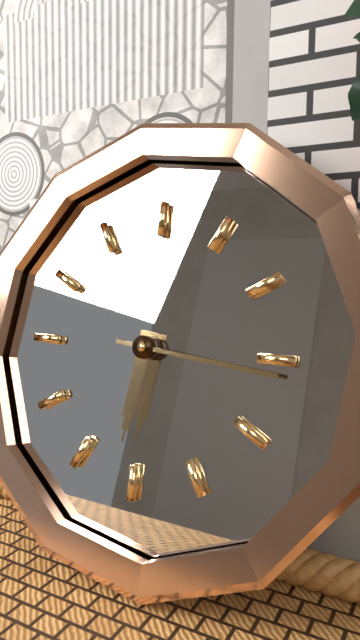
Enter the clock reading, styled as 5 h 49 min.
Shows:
6 h 16 min
